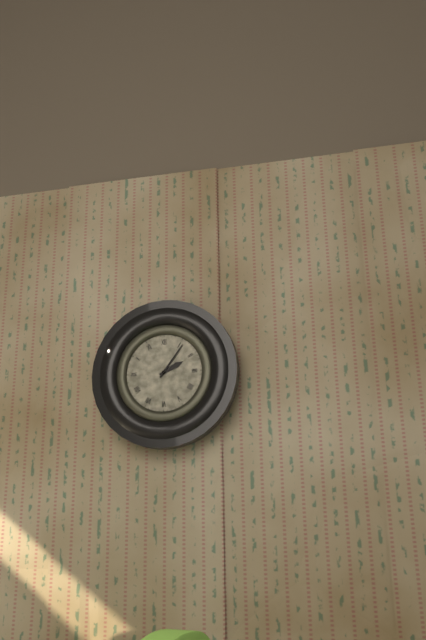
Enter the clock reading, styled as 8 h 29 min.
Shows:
2 h 06 min
